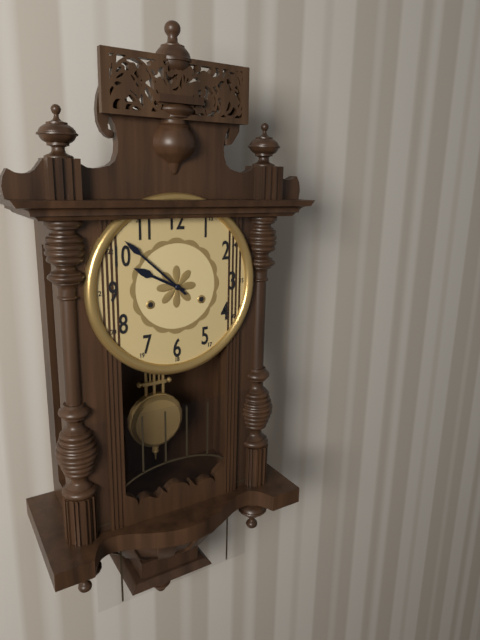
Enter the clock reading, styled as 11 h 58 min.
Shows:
9 h 52 min
